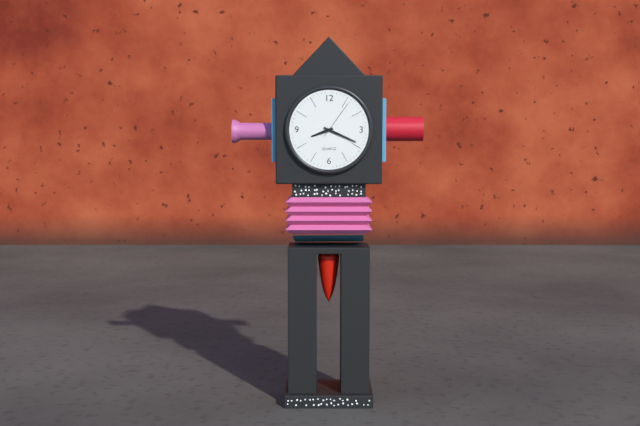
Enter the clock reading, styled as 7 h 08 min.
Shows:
8 h 19 min
